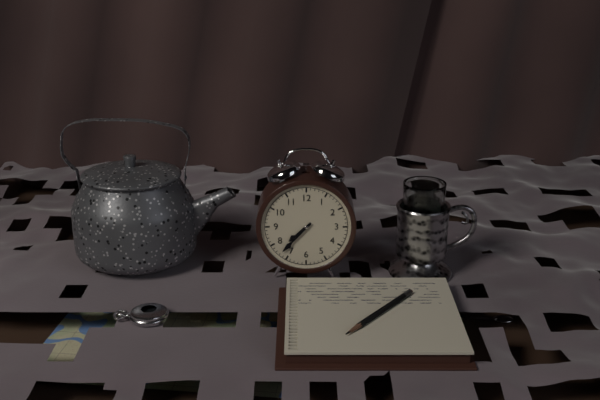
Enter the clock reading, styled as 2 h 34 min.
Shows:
7 h 37 min
